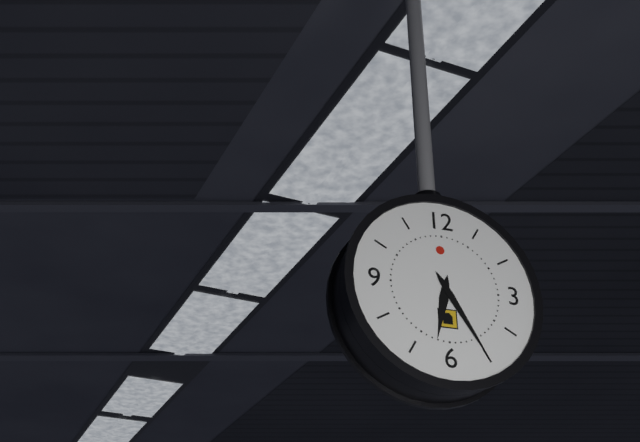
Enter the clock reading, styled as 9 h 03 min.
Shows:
6 h 25 min
